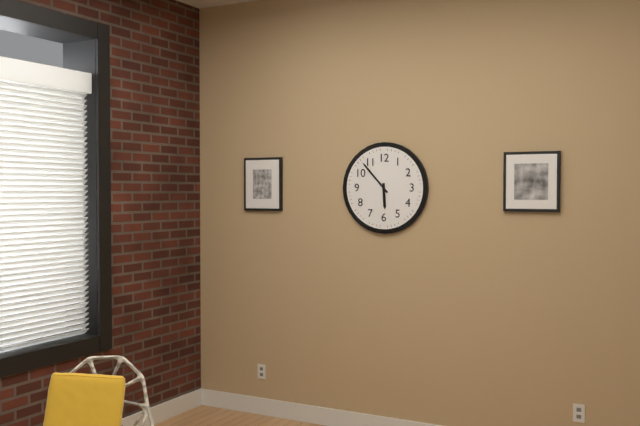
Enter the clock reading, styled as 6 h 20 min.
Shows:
5 h 53 min
